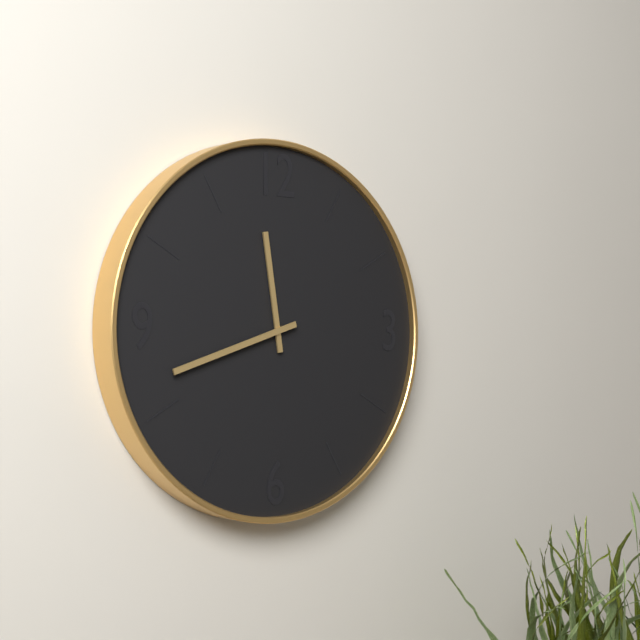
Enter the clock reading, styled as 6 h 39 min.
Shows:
11 h 42 min
